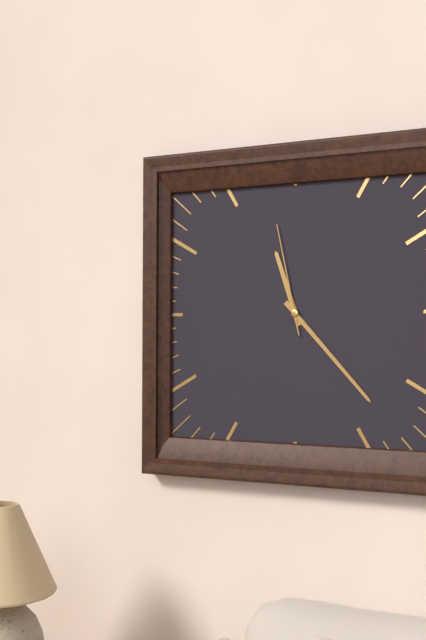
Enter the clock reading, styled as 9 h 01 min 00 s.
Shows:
11 h 23 min 58 s
